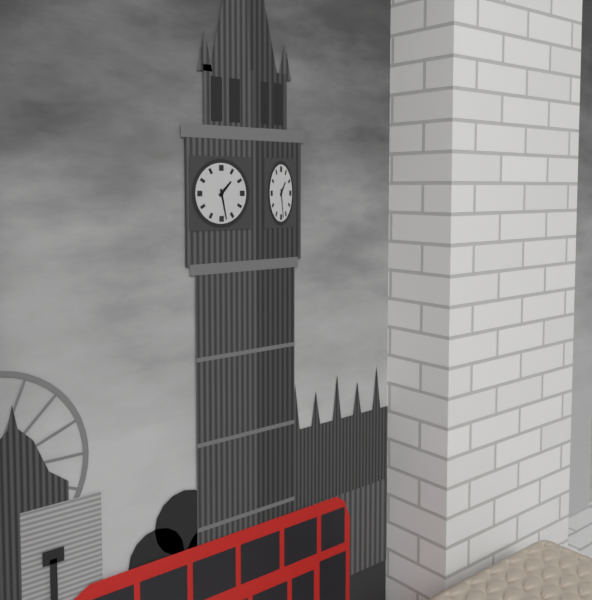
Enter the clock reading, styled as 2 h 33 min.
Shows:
1 h 28 min
